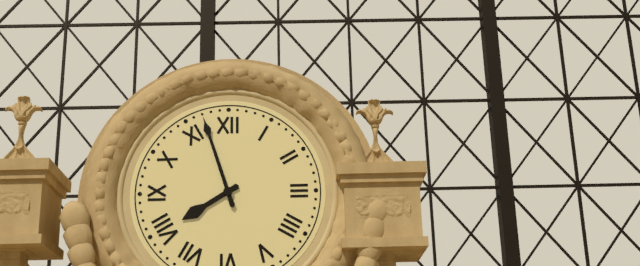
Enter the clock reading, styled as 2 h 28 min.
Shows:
7 h 57 min
